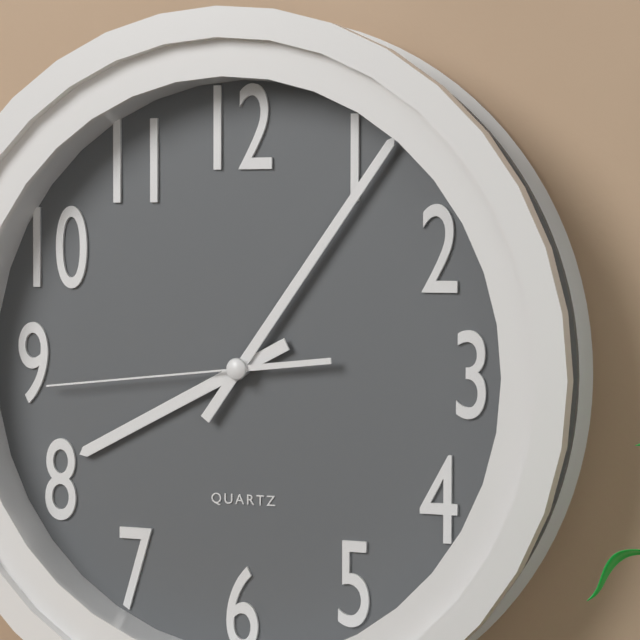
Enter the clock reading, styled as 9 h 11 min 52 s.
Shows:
8 h 06 min 44 s
